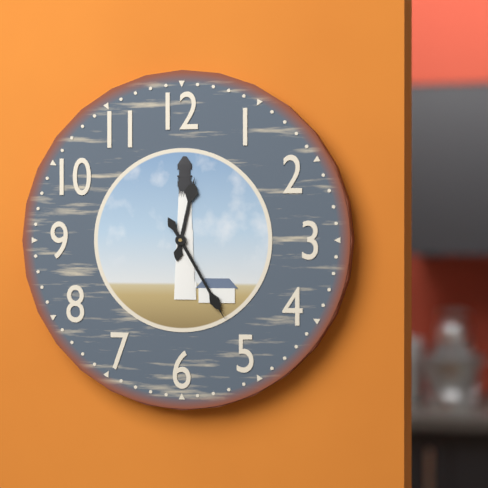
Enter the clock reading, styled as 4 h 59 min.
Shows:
12 h 25 min
